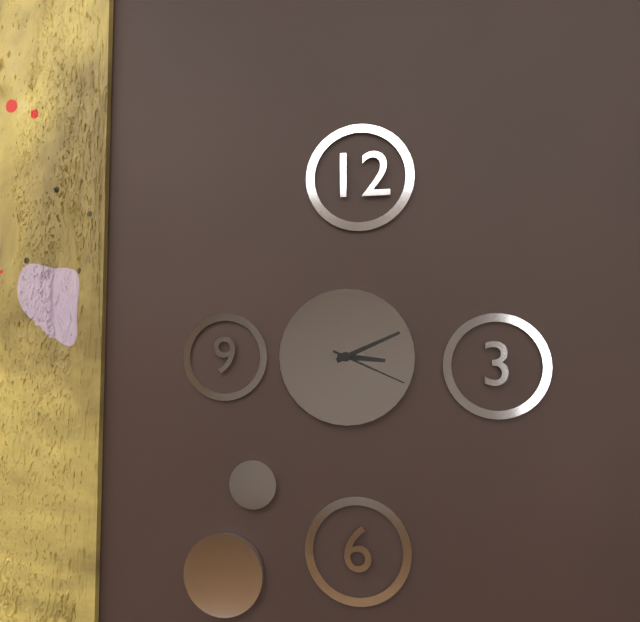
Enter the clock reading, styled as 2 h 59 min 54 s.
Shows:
3 h 11 min 19 s
